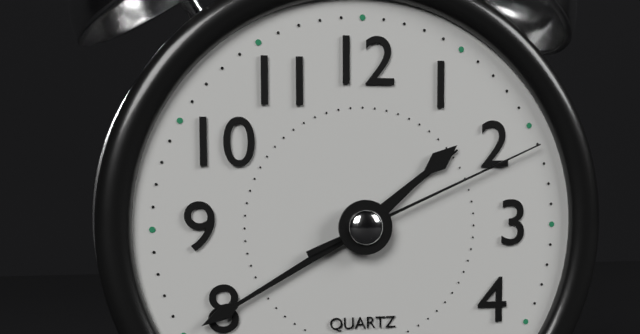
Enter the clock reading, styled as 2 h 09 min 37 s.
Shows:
1 h 40 min 11 s
